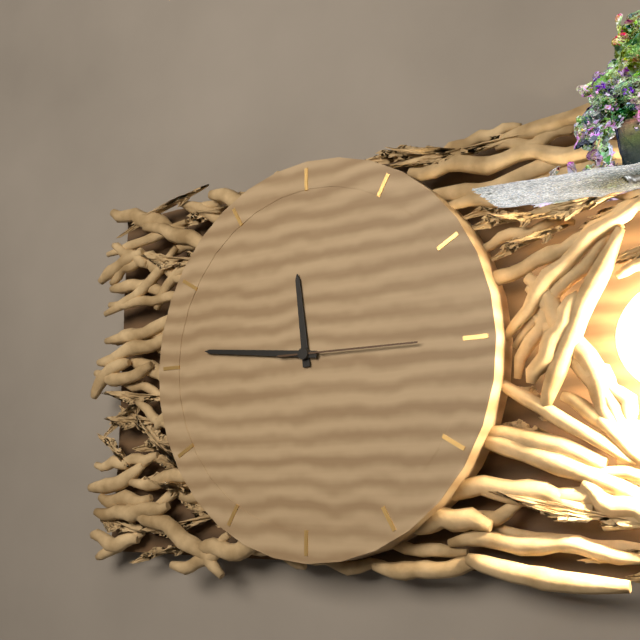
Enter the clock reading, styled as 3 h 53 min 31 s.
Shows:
11 h 46 min 15 s
